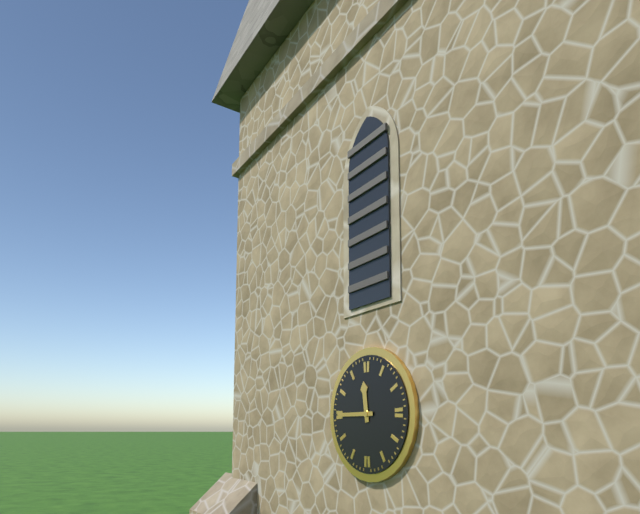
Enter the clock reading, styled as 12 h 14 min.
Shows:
11 h 45 min
